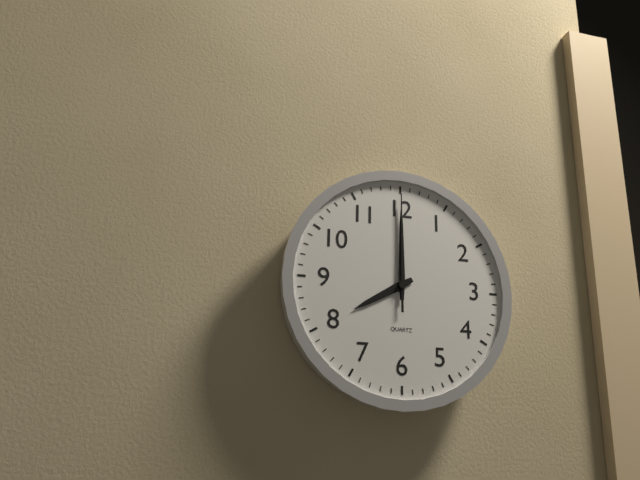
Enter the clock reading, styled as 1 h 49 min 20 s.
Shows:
8 h 00 min 00 s
